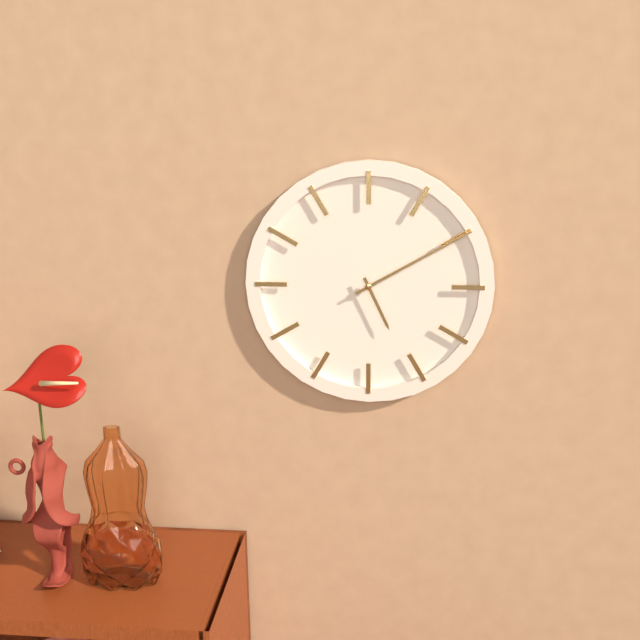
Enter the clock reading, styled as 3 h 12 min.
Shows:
5 h 10 min
